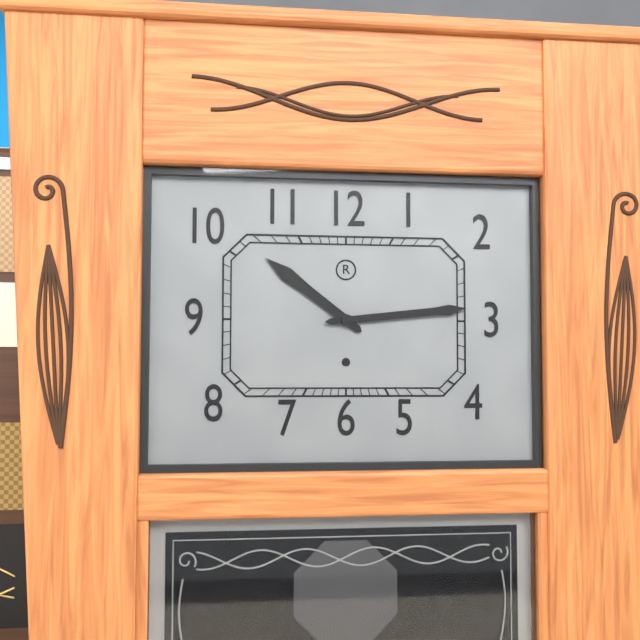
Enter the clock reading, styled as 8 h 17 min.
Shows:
10 h 14 min
